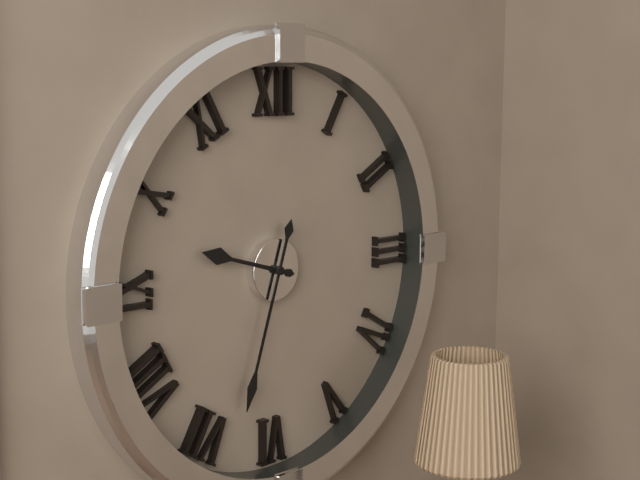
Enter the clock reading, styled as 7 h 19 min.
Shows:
9 h 33 min
